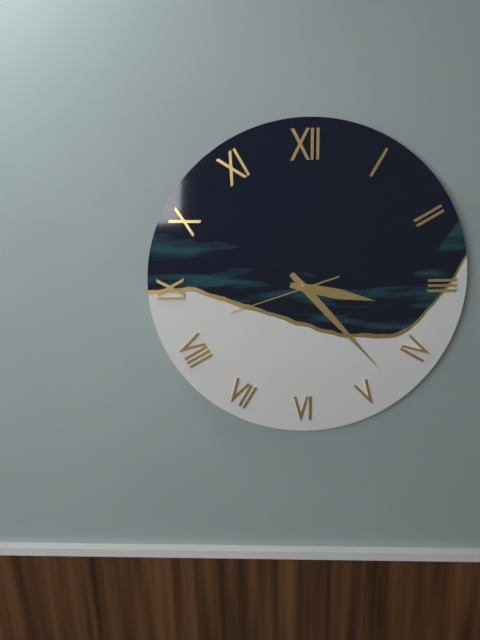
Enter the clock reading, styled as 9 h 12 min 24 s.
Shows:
3 h 23 min 42 s
